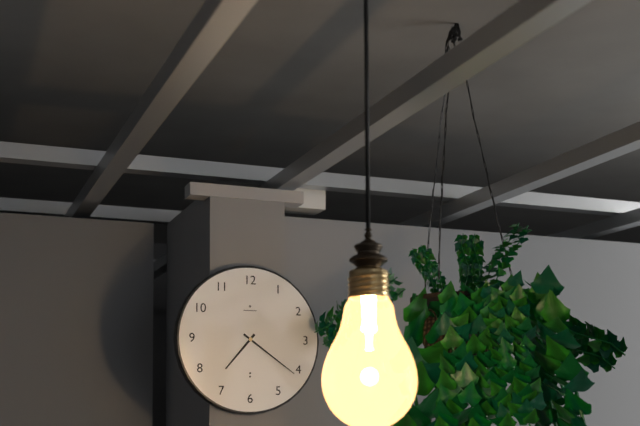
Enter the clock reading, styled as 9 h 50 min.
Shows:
7 h 21 min
